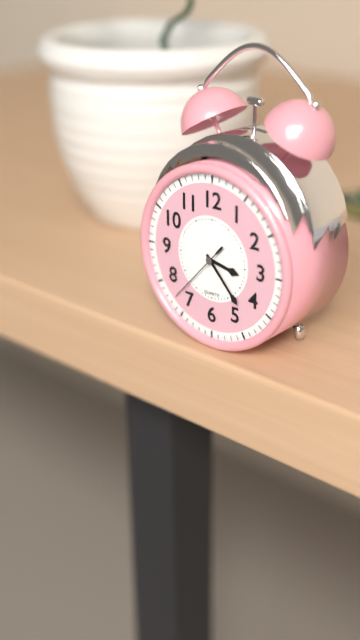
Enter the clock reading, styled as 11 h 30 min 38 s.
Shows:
3 h 23 min 37 s
